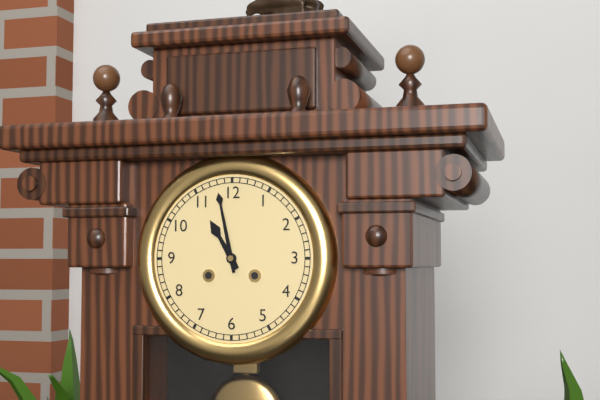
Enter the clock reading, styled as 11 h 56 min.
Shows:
10 h 58 min
